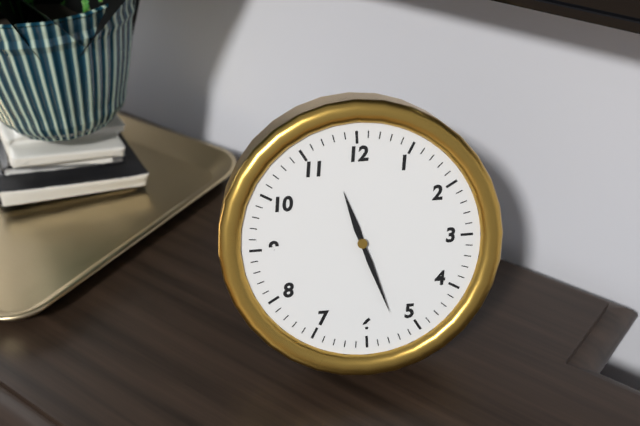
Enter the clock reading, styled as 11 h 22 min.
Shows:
11 h 27 min
